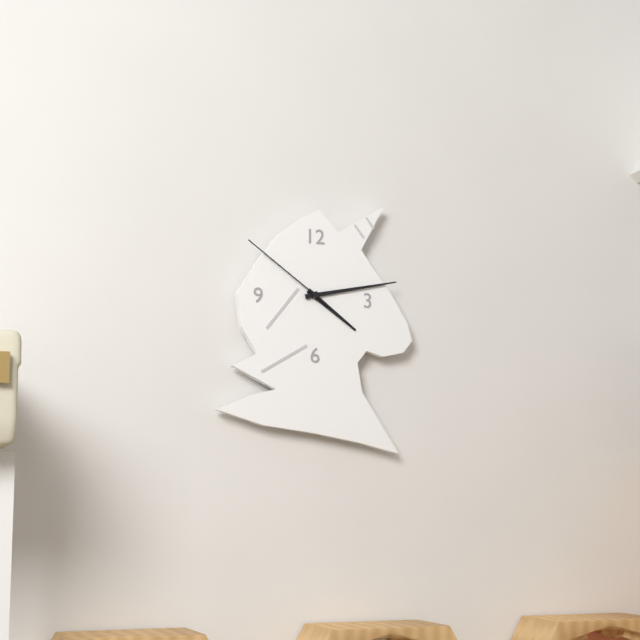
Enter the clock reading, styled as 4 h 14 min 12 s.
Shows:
4 h 13 min 51 s
